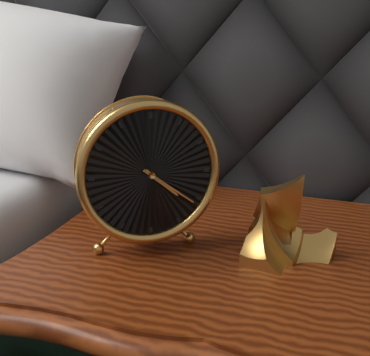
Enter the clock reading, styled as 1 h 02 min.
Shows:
4 h 21 min
